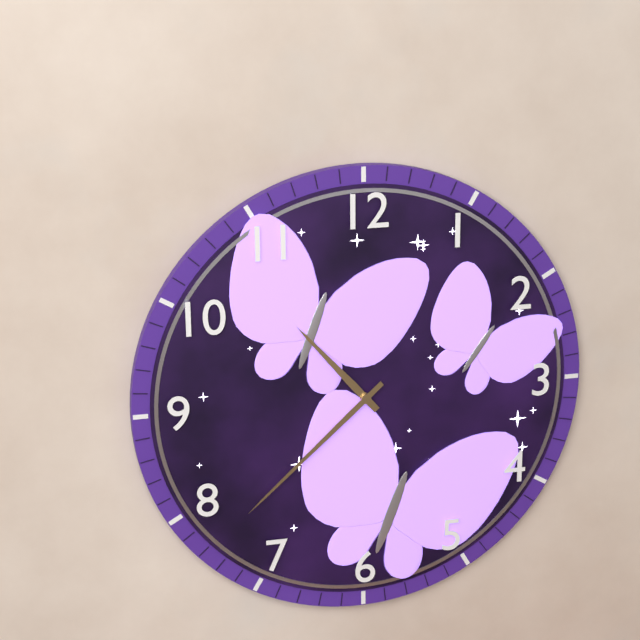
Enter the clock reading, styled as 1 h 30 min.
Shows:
10 h 38 min
